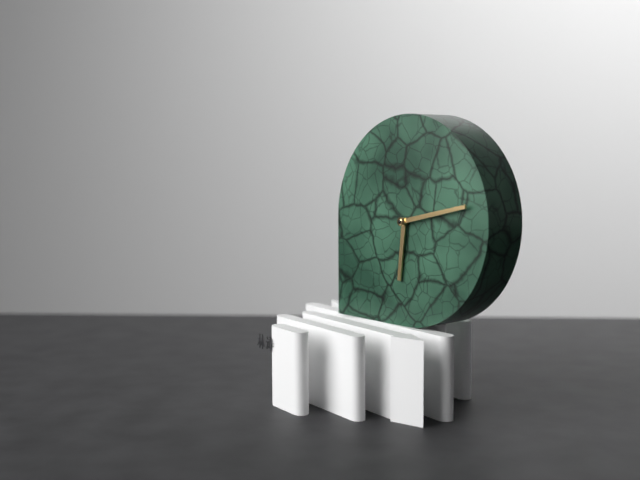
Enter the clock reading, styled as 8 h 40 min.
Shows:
6 h 13 min
